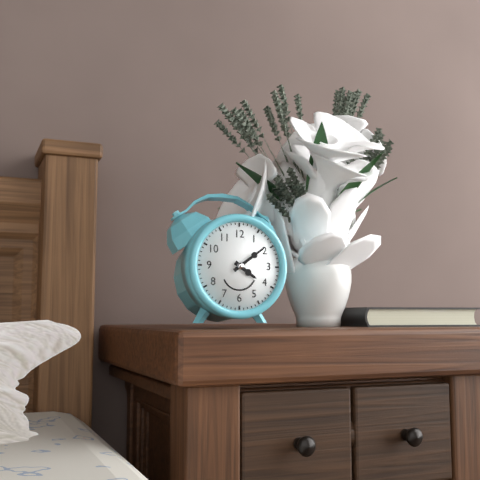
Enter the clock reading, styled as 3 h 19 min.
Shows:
4 h 09 min
